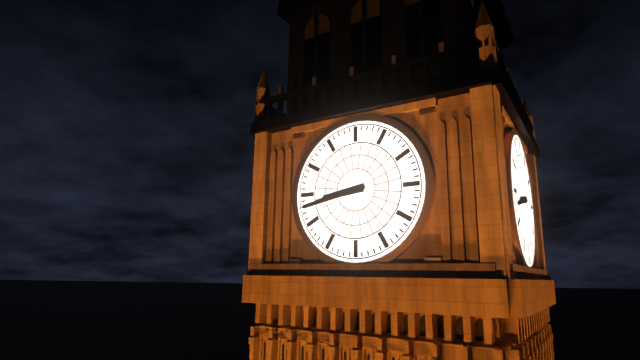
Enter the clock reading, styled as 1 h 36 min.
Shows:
8 h 43 min
